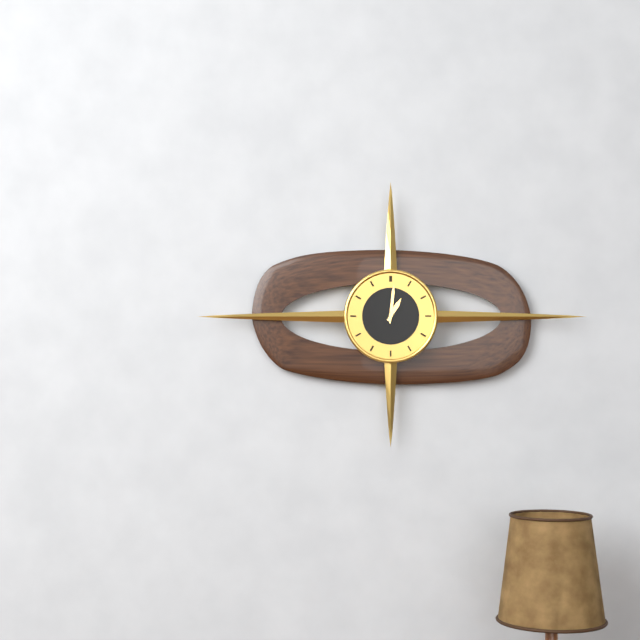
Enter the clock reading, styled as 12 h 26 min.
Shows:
1 h 01 min
